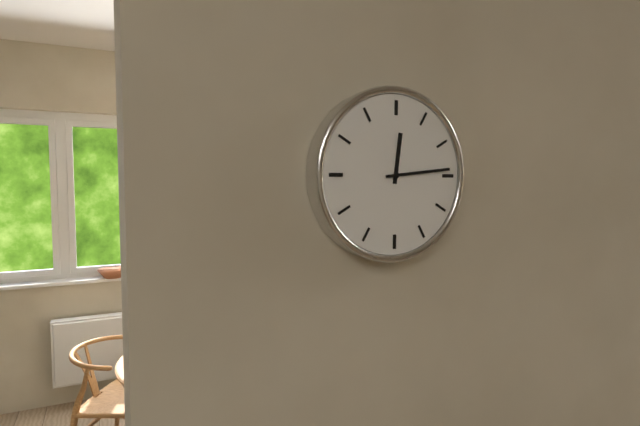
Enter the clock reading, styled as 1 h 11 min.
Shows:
12 h 14 min
